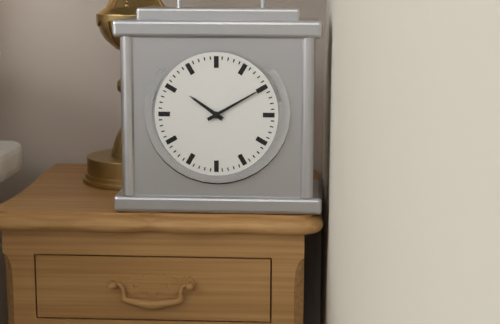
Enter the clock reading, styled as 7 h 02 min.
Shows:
10 h 10 min
